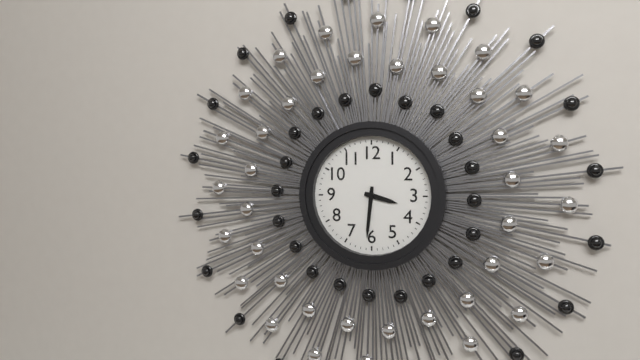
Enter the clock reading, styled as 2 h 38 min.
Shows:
3 h 31 min
